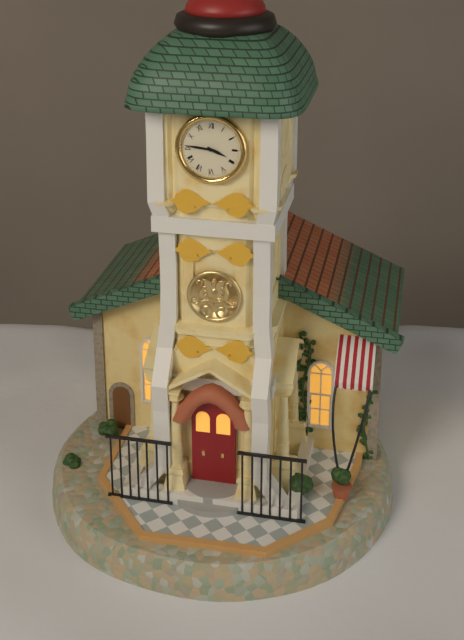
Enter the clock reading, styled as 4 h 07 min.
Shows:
3 h 46 min
